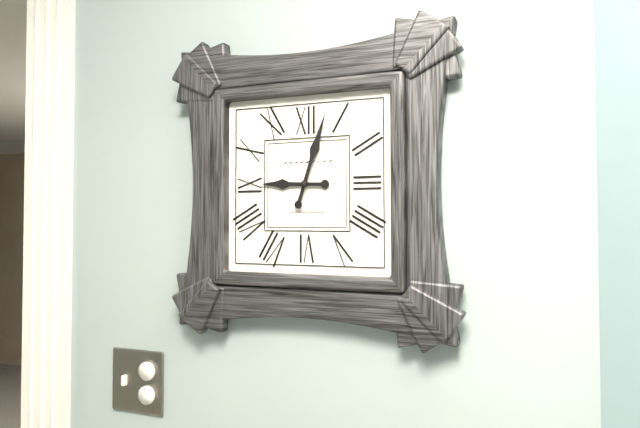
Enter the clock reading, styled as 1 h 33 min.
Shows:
9 h 03 min
